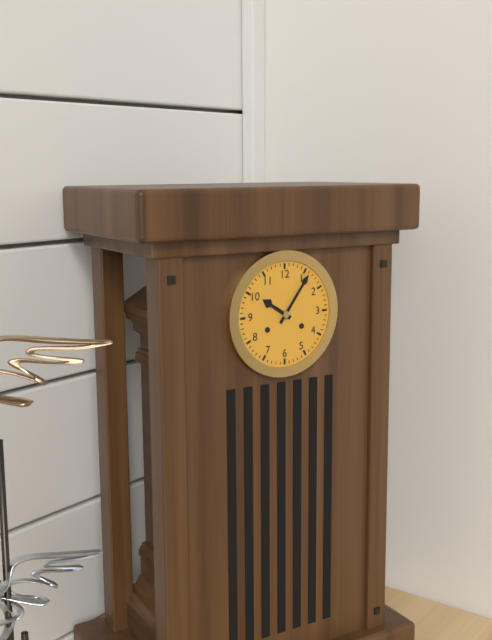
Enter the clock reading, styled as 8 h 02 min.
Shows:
10 h 06 min
